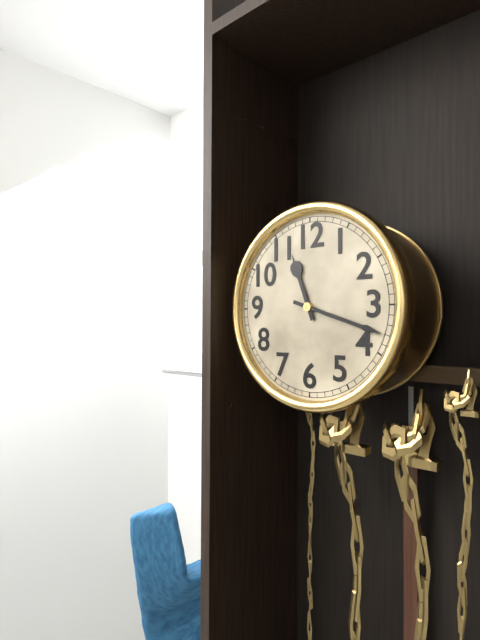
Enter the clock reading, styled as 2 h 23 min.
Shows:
11 h 18 min
